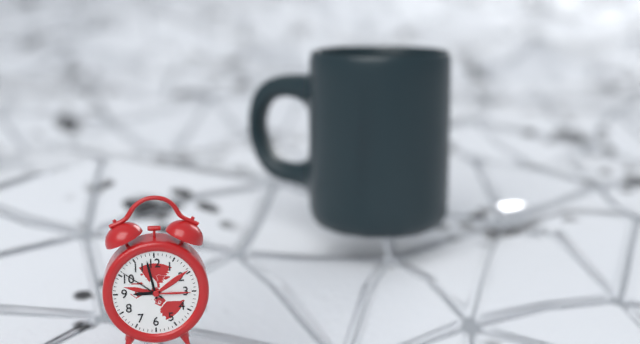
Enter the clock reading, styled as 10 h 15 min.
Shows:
8 h 58 min
